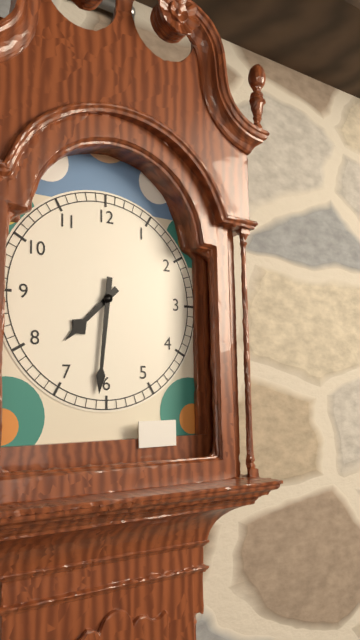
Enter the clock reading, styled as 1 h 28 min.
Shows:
7 h 31 min
